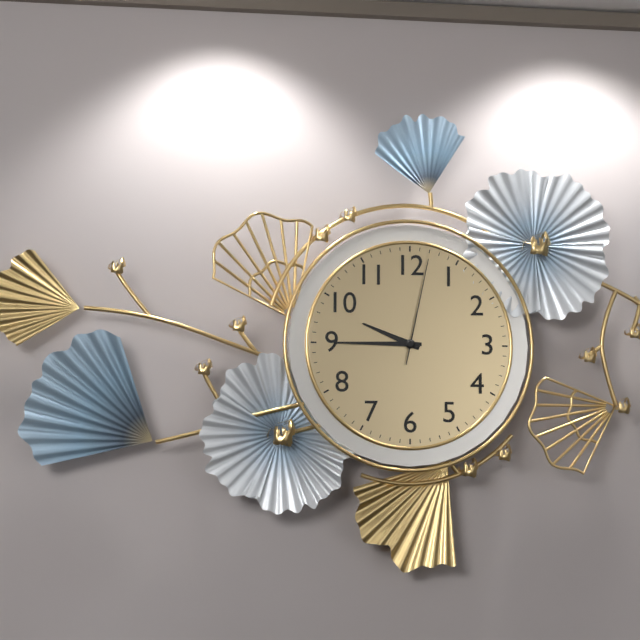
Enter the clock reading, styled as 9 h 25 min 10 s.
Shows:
9 h 45 min 02 s
